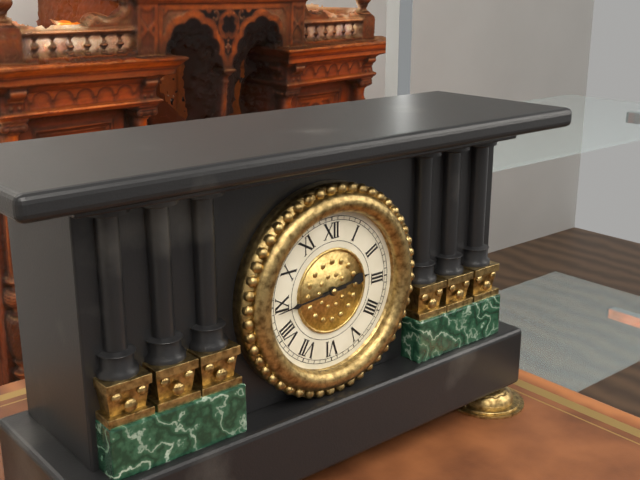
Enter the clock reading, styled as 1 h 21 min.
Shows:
2 h 44 min
